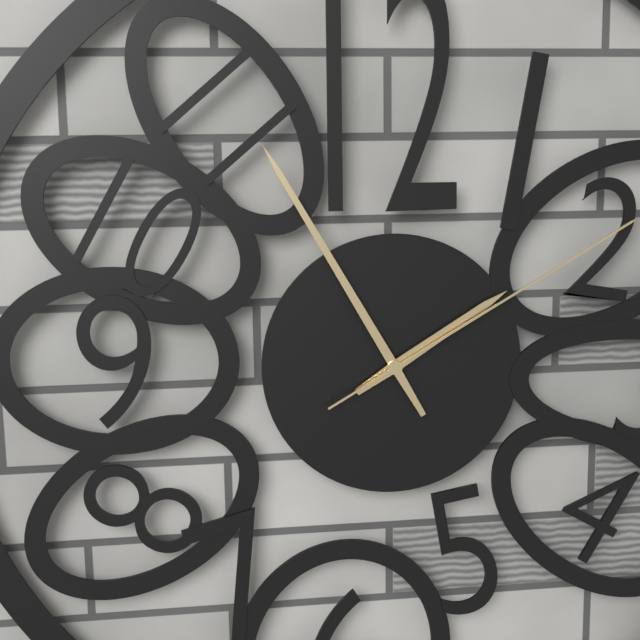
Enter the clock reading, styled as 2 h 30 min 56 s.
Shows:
1 h 55 min 10 s
